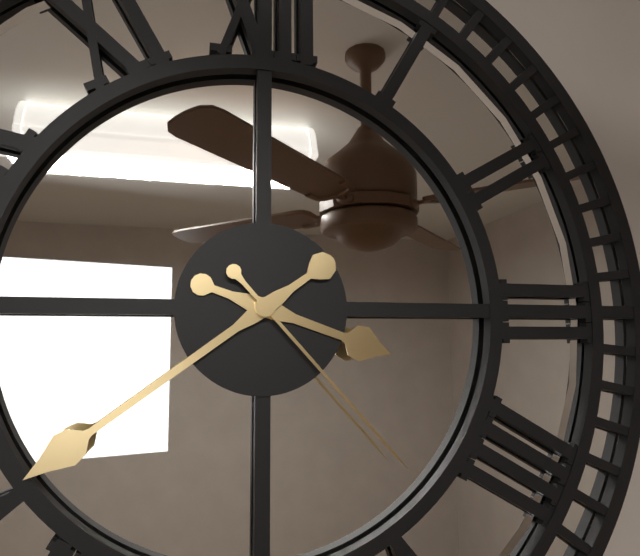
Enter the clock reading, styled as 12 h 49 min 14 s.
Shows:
3 h 39 min 23 s
